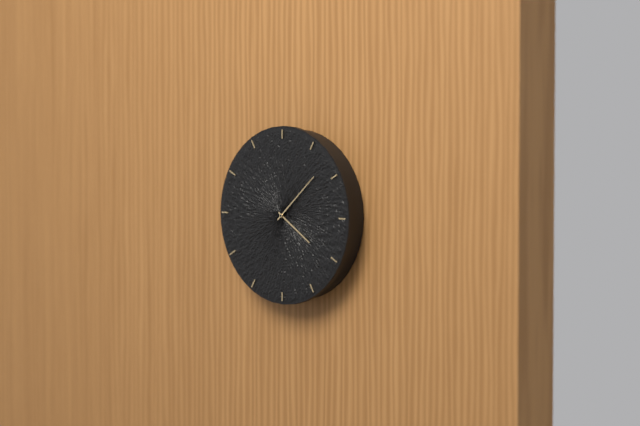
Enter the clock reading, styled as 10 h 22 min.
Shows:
4 h 08 min
